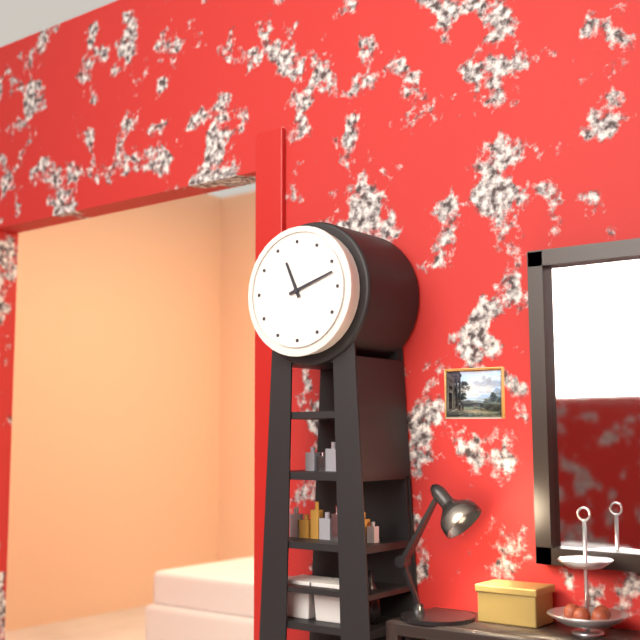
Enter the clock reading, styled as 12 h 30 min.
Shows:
11 h 12 min
